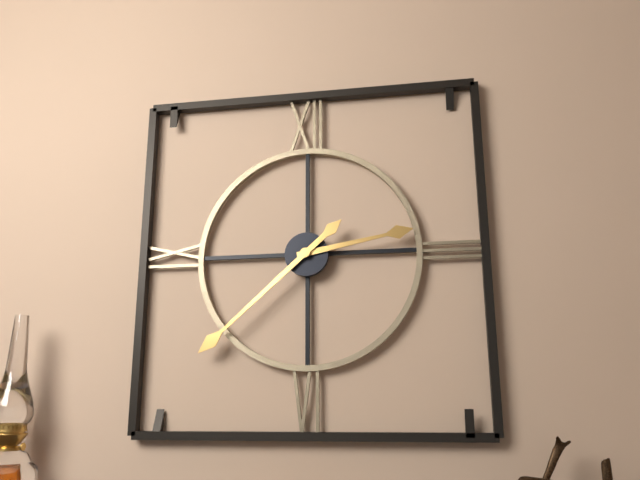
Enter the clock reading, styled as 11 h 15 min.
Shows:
2 h 38 min
